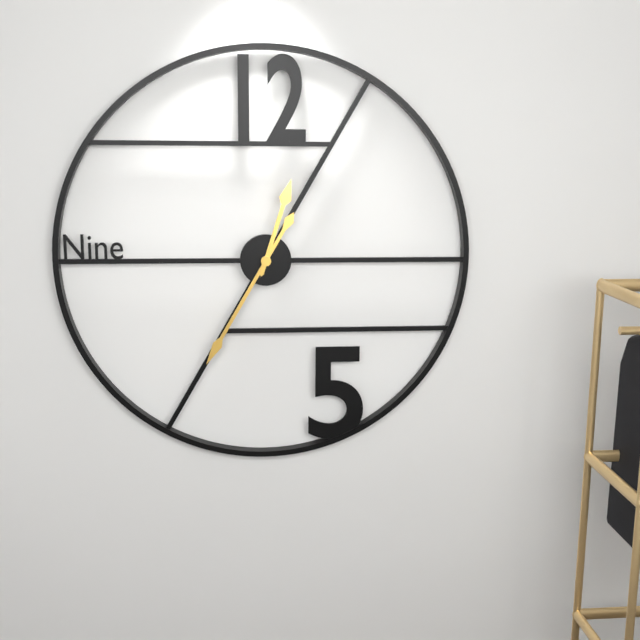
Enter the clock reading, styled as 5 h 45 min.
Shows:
12 h 35 min
